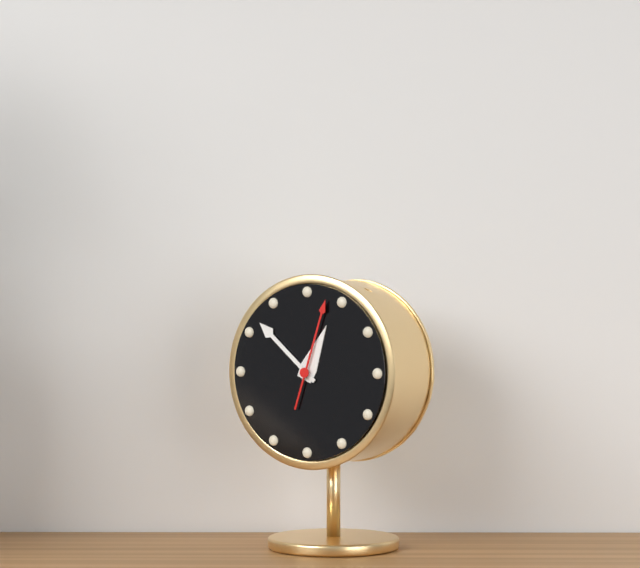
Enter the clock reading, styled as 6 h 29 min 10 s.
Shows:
12 h 52 min 03 s
